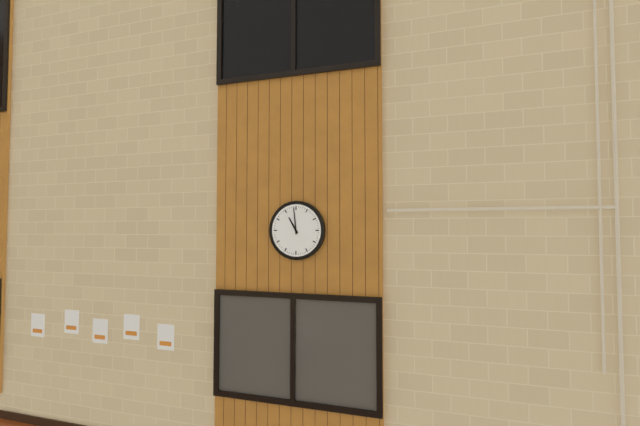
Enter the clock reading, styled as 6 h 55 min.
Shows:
10 h 59 min
